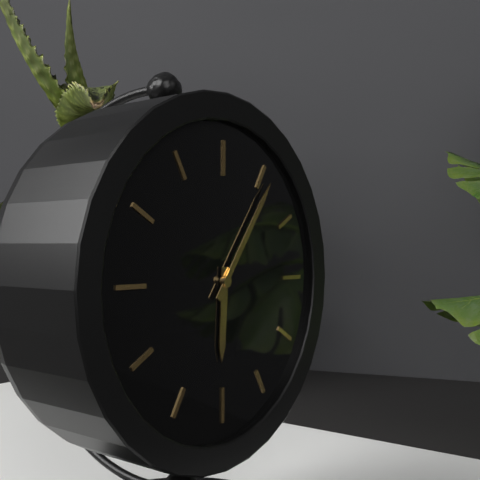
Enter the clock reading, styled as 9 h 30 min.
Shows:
6 h 06 min
